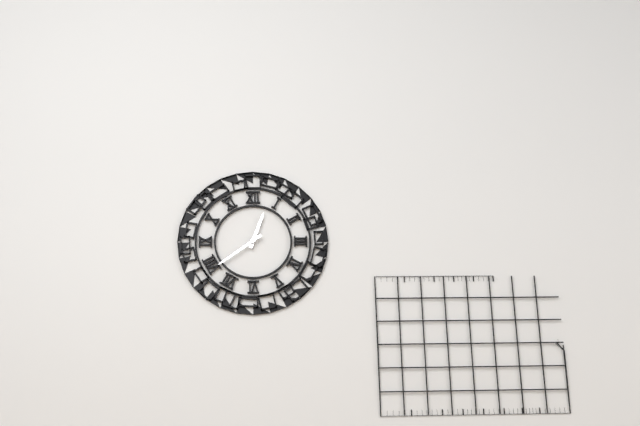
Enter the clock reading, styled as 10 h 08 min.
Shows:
12 h 39 min
